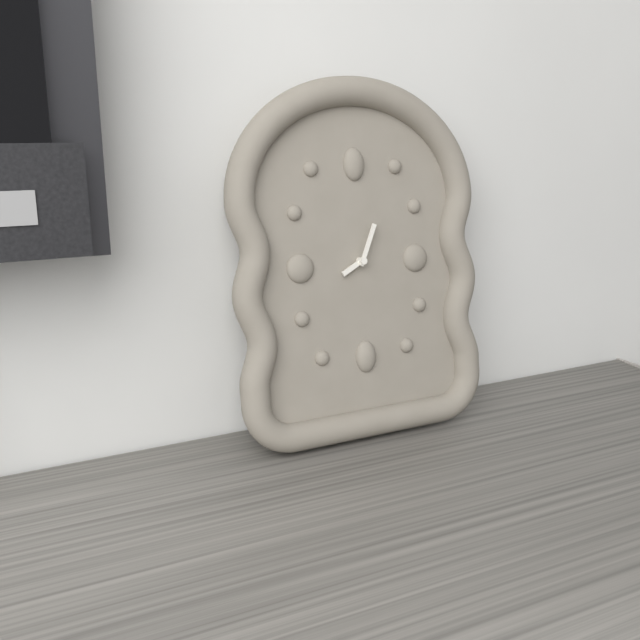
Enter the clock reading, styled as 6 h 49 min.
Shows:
8 h 04 min
